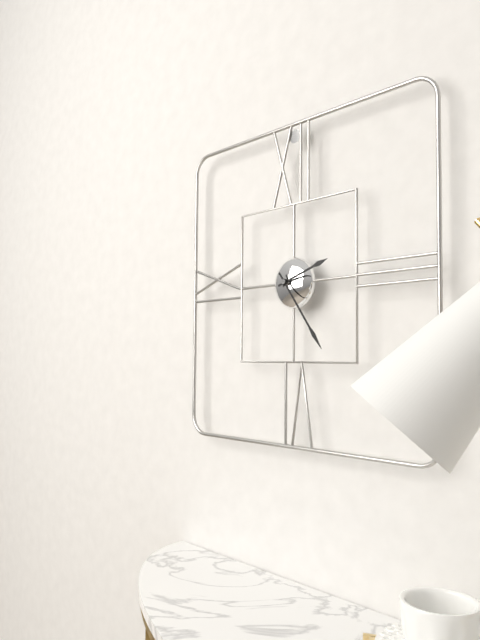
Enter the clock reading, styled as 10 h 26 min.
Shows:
2 h 24 min
